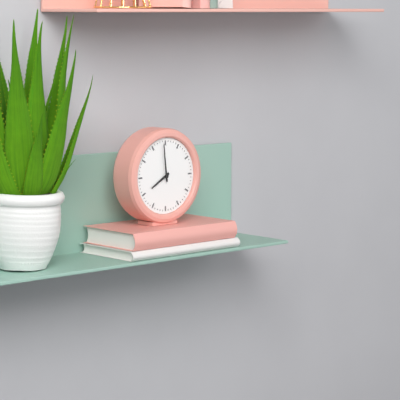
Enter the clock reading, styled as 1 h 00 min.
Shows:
7 h 59 min
